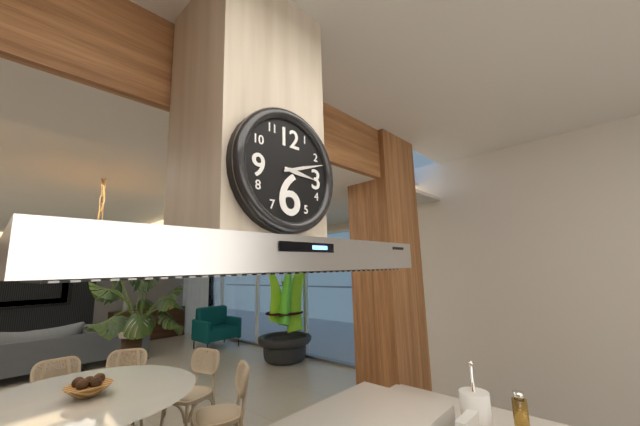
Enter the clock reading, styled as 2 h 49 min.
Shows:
3 h 12 min
